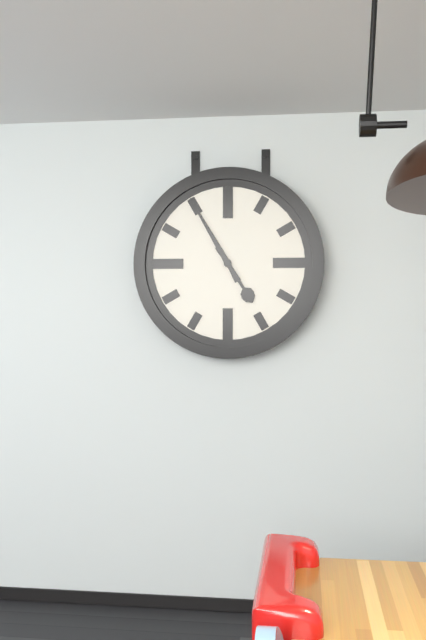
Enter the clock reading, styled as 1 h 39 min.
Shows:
4 h 55 min
